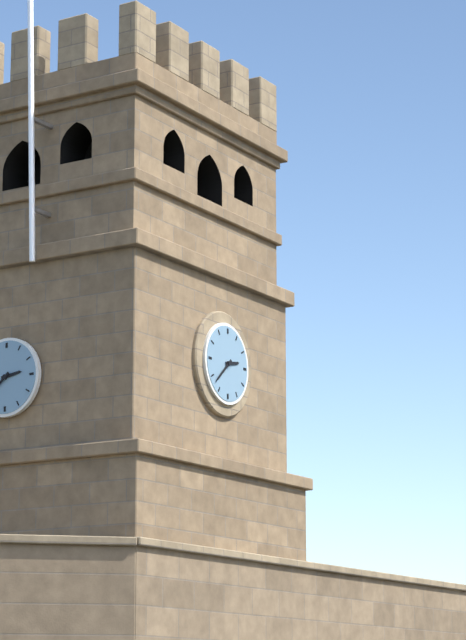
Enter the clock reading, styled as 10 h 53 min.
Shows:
2 h 38 min
